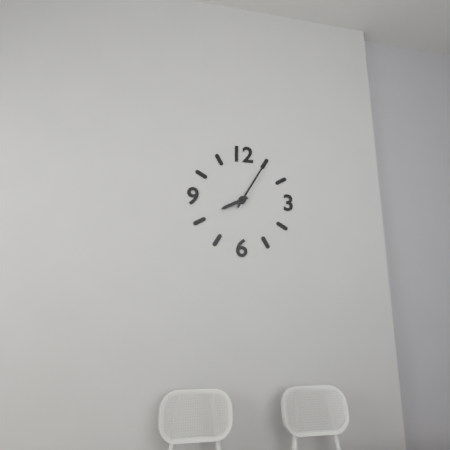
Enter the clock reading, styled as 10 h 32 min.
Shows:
8 h 05 min
